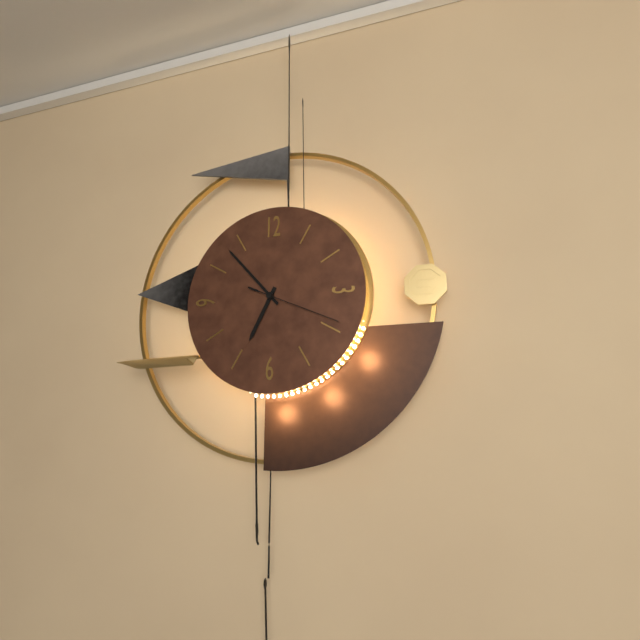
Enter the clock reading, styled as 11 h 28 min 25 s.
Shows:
6 h 53 min 19 s
